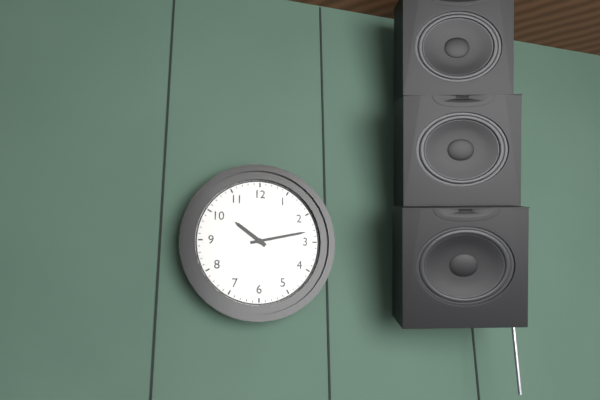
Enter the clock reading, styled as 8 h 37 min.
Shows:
10 h 13 min
